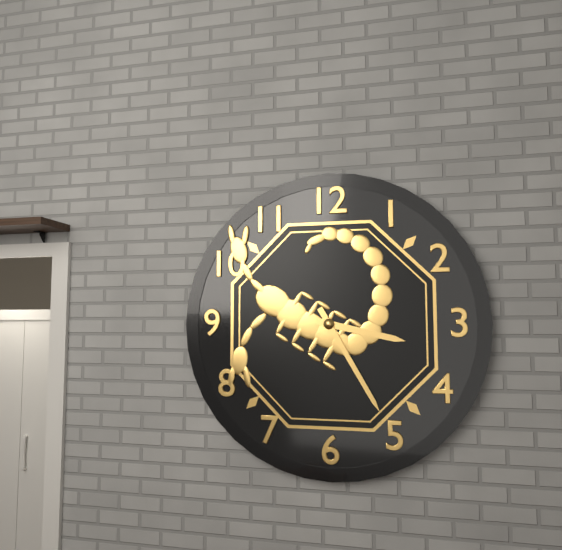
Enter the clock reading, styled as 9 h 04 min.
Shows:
3 h 25 min
